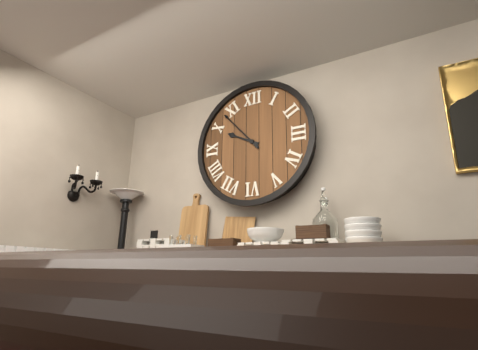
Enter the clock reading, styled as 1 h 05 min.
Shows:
9 h 53 min
